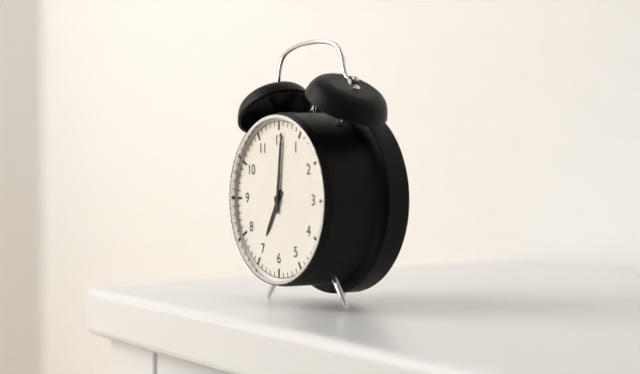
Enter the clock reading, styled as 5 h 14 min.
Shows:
7 h 01 min
